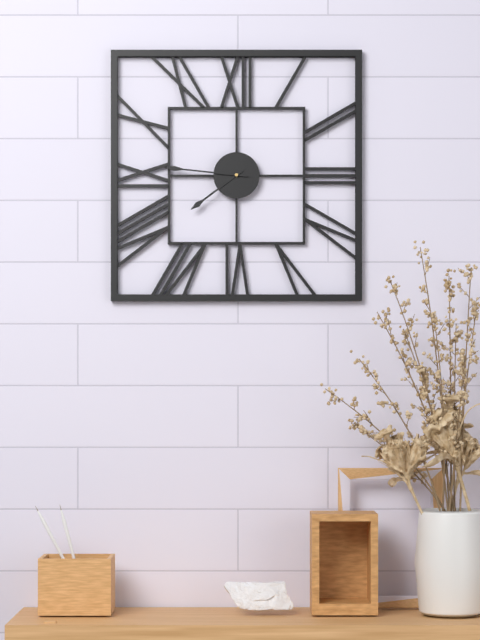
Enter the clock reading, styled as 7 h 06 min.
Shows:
7 h 46 min
